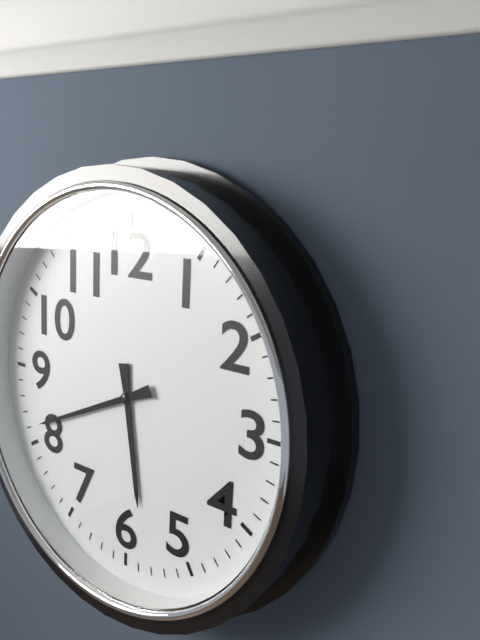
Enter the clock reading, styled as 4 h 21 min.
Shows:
5 h 41 min
